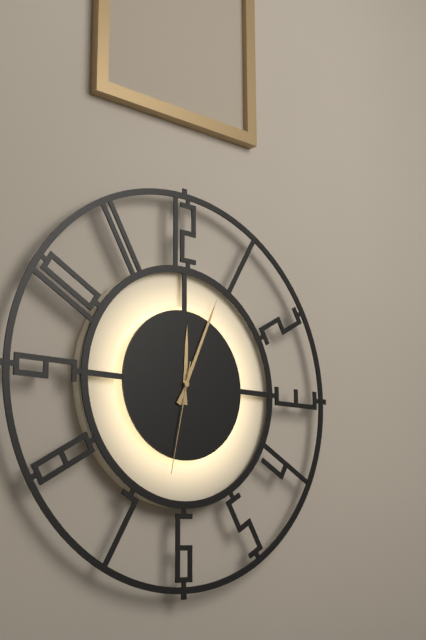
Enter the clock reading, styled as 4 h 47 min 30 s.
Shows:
12 h 04 min 32 s
